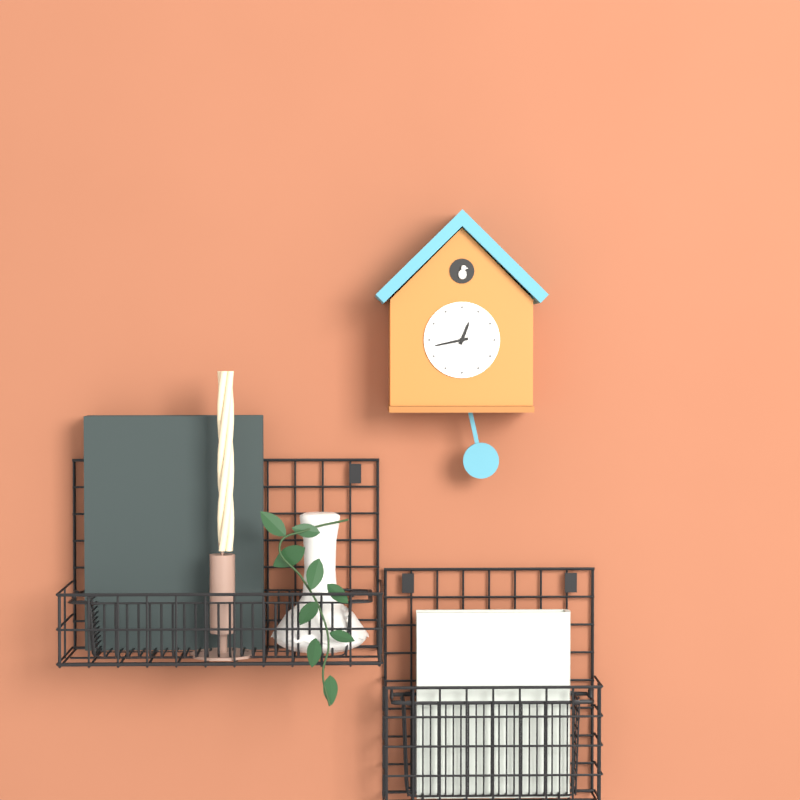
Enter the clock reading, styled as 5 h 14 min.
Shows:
12 h 43 min
